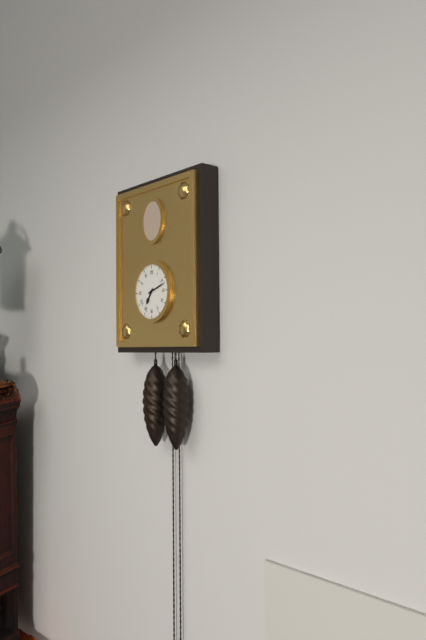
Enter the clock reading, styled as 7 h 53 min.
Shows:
7 h 12 min
